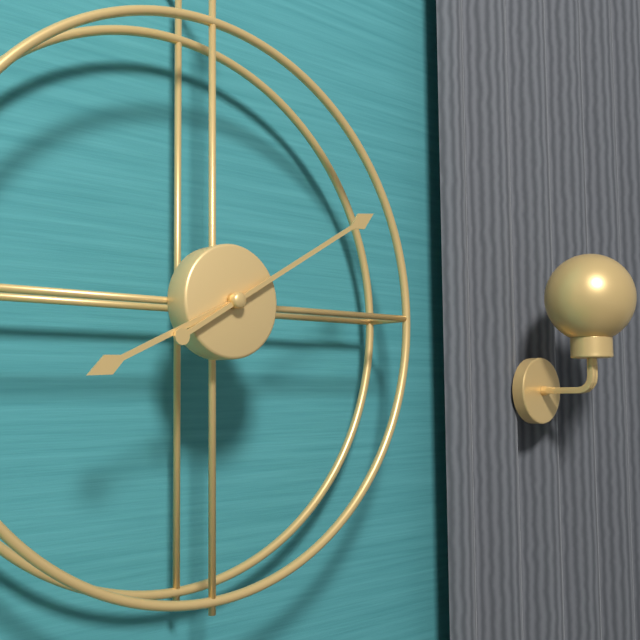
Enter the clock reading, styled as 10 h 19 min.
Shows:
8 h 10 min
